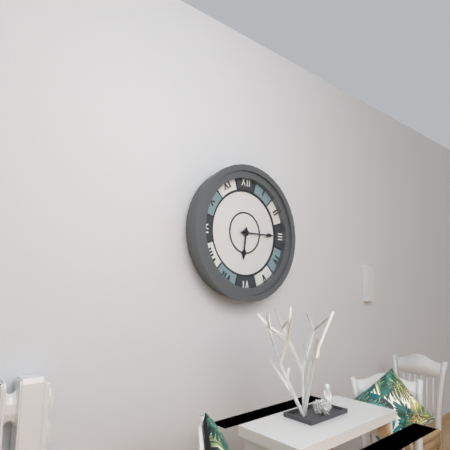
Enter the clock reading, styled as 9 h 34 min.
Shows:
6 h 15 min
